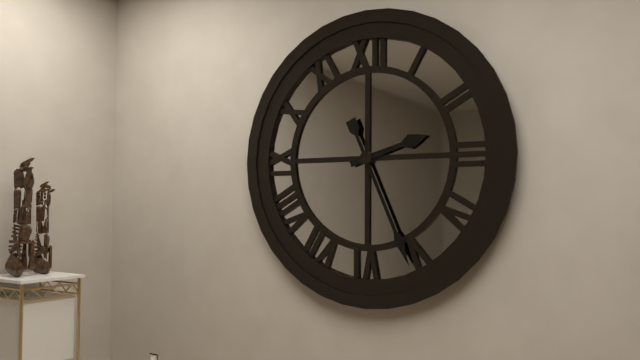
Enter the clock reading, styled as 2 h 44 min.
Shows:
2 h 26 min
